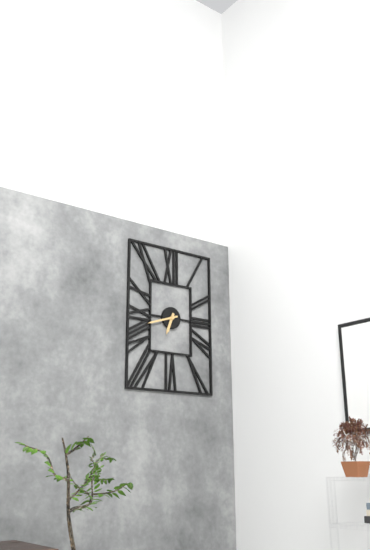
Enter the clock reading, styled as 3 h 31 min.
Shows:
6 h 42 min
